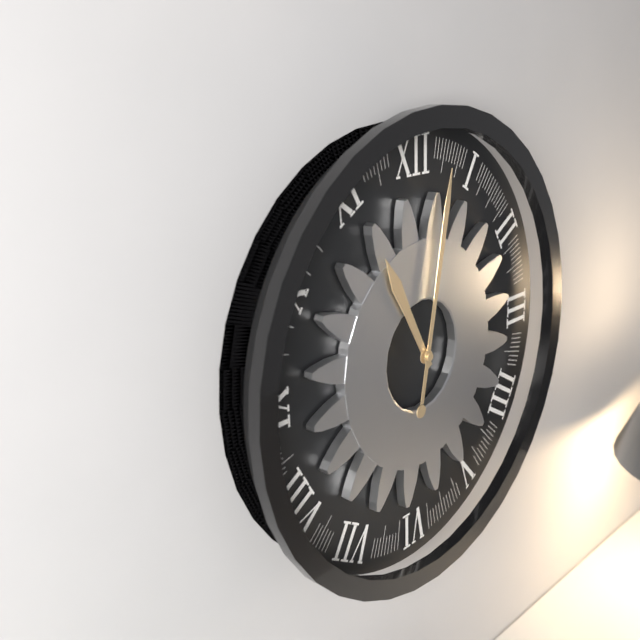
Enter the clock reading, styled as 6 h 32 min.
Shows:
11 h 02 min
